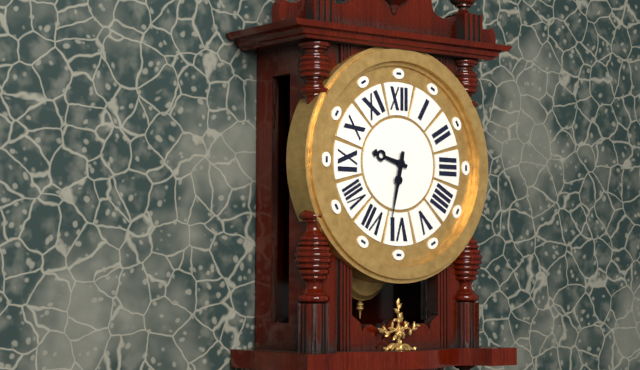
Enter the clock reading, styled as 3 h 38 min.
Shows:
9 h 32 min
